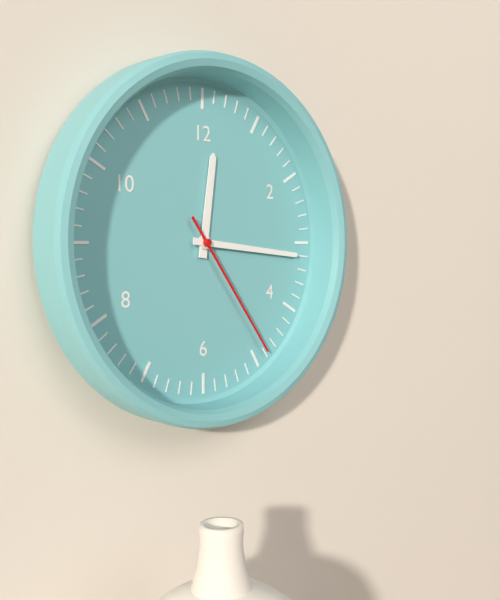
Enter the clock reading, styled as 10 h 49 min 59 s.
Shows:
12 h 16 min 24 s
